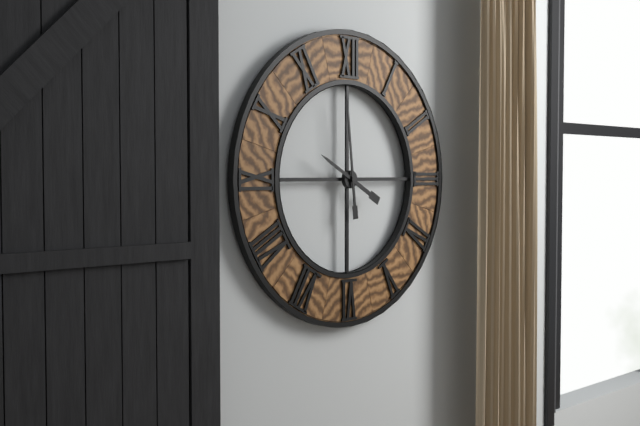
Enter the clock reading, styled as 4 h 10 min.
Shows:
9 h 59 min
